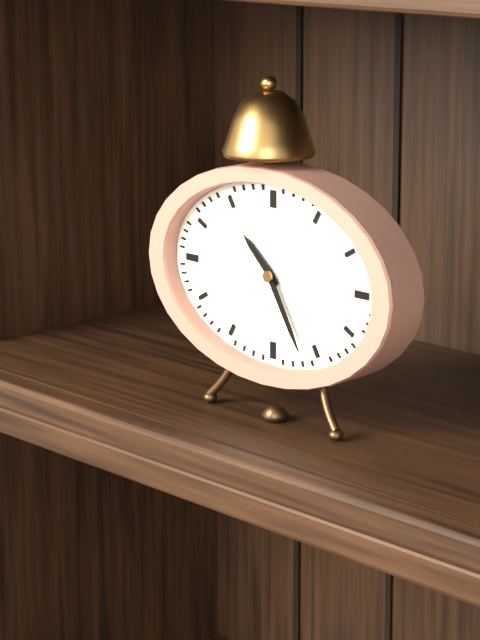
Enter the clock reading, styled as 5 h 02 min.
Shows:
10 h 25 min
